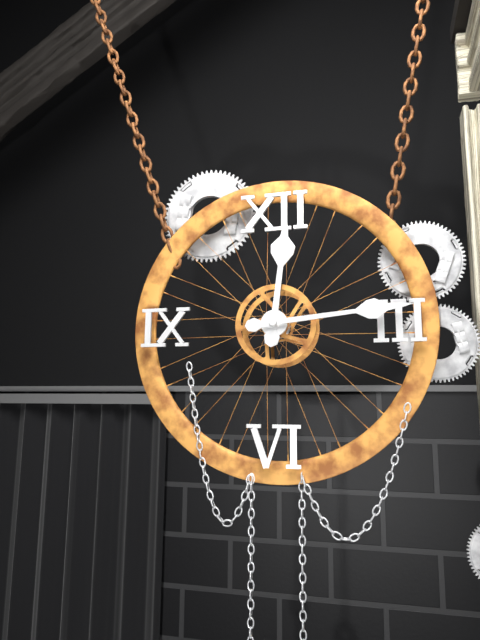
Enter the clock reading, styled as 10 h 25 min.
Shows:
12 h 14 min
